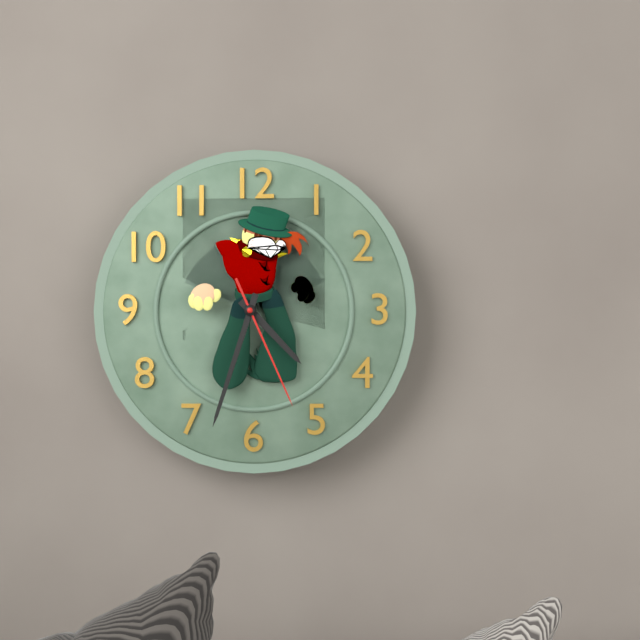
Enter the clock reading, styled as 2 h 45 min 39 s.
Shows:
4 h 33 min 26 s
